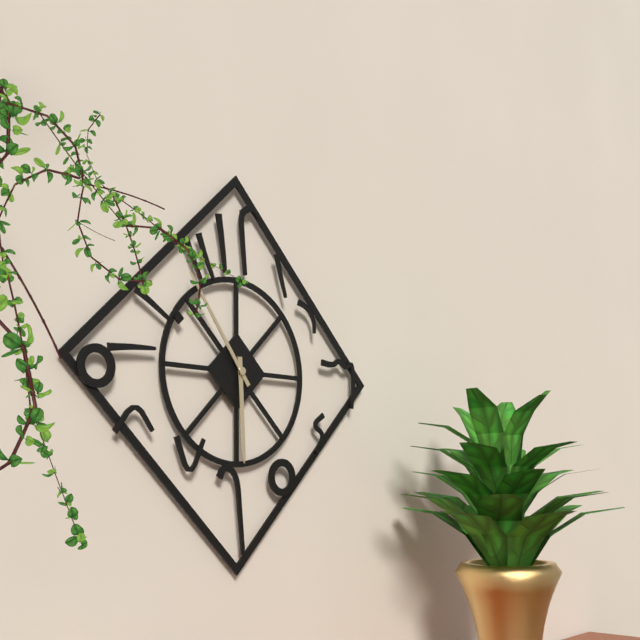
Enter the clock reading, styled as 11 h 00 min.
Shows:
5 h 54 min
